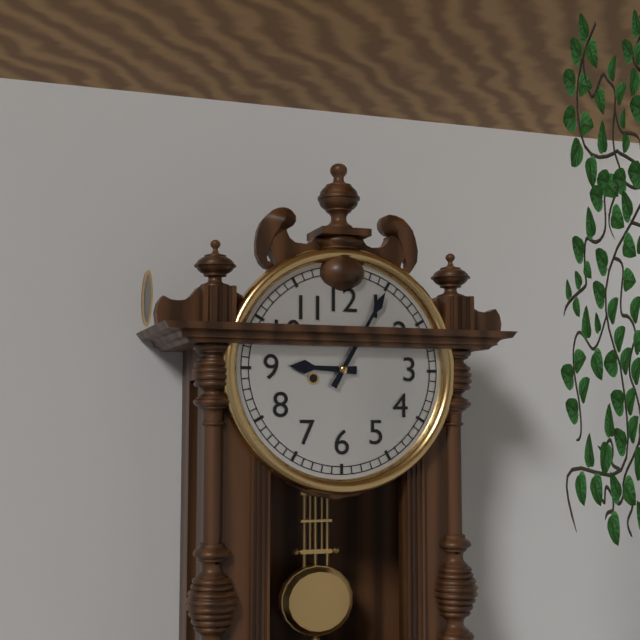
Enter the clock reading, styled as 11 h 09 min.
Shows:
9 h 05 min
